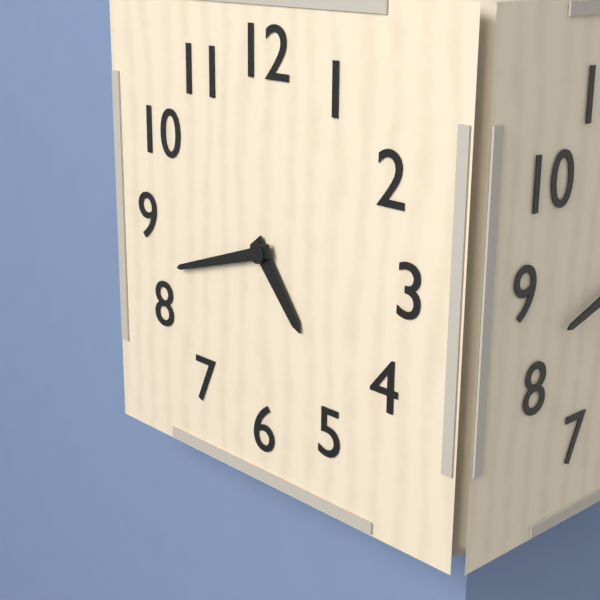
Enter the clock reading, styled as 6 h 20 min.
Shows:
4 h 42 min
